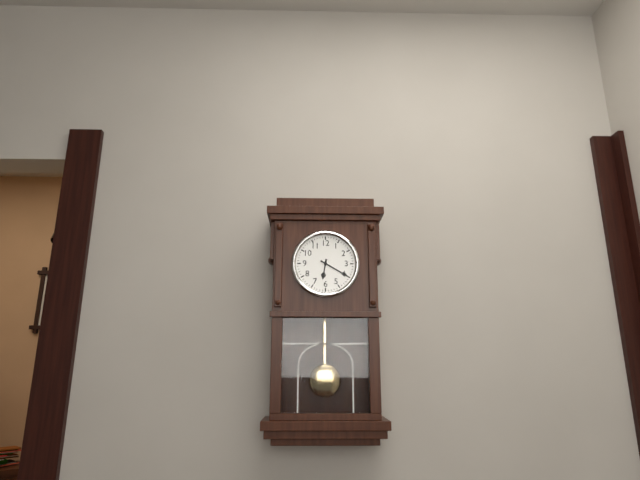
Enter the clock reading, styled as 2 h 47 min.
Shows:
6 h 20 min
